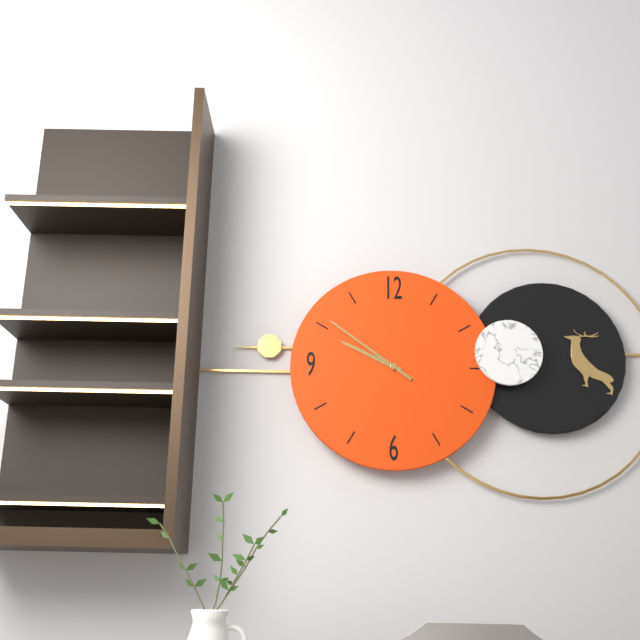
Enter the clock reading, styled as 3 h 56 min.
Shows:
9 h 51 min
